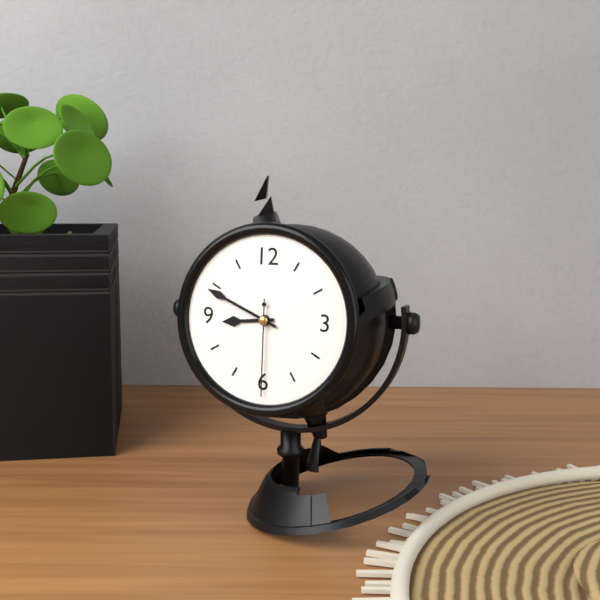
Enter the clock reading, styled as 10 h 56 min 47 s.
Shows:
8 h 49 min 30 s
